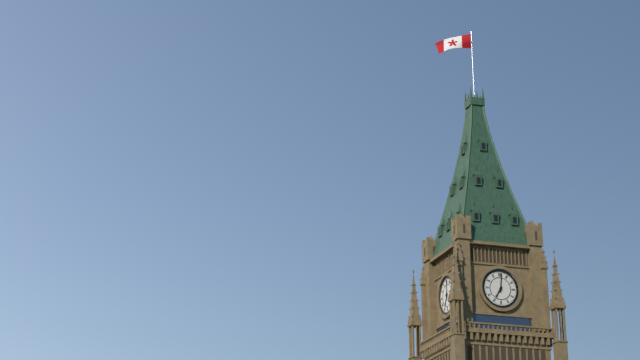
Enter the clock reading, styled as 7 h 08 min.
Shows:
7 h 01 min
